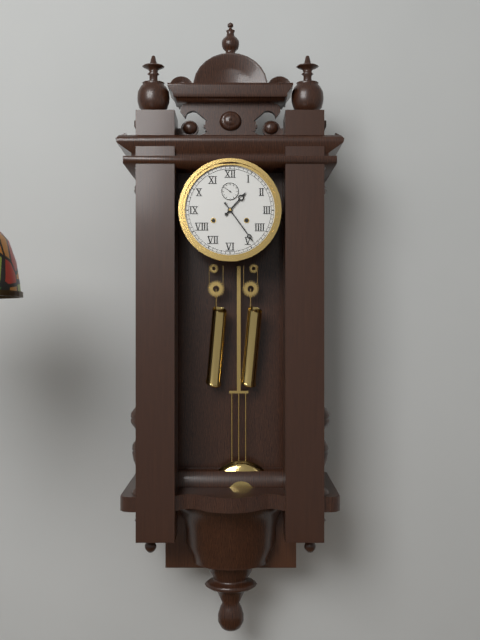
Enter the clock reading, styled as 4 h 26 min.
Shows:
1 h 24 min
